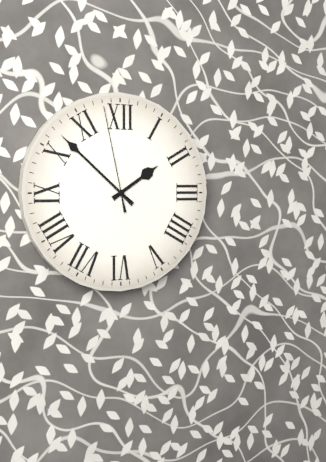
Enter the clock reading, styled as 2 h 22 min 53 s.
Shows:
1 h 52 min 58 s
